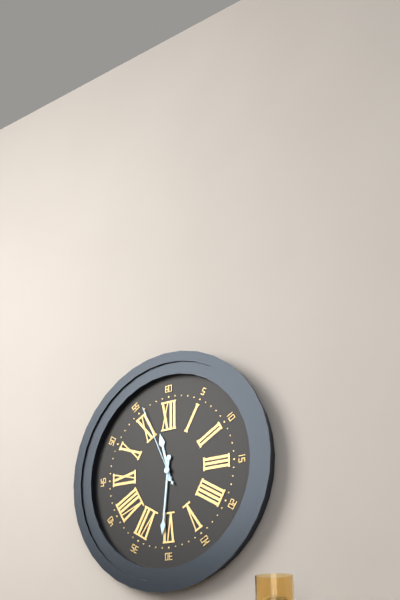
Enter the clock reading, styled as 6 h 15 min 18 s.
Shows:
11 h 31 min 56 s
